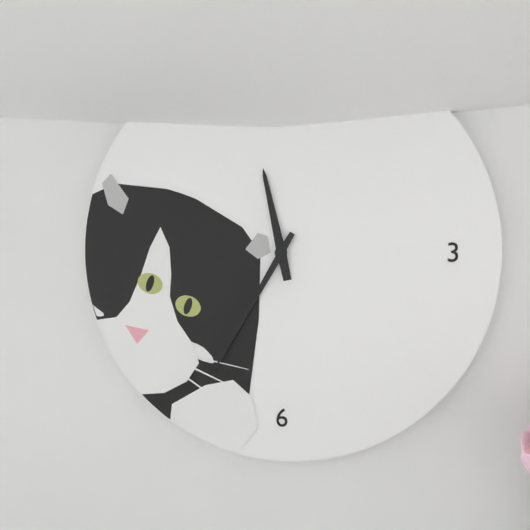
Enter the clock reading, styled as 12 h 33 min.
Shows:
11 h 35 min
